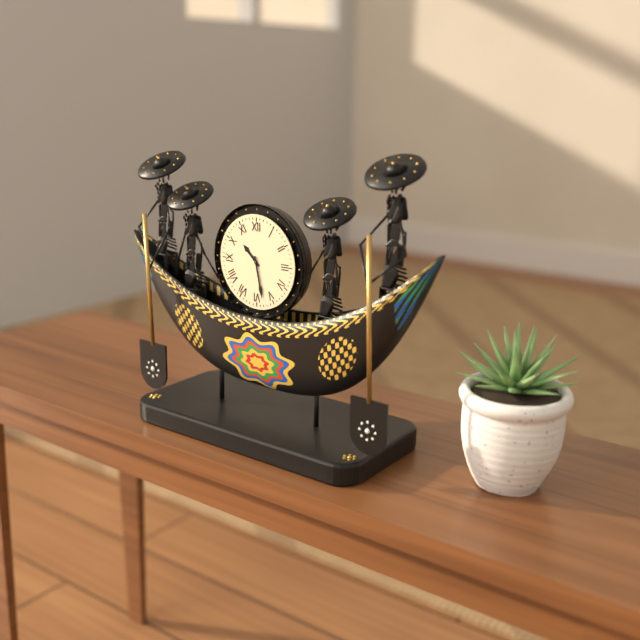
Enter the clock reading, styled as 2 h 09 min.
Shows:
10 h 28 min
